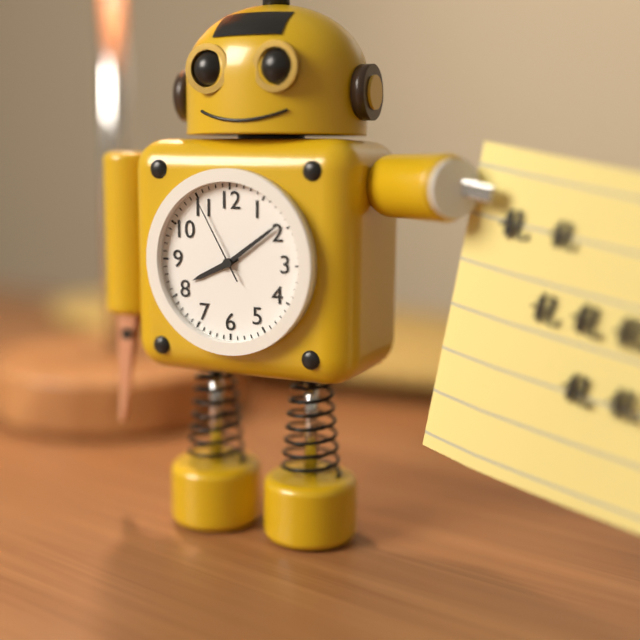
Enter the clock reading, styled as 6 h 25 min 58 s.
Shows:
8 h 09 min 55 s
